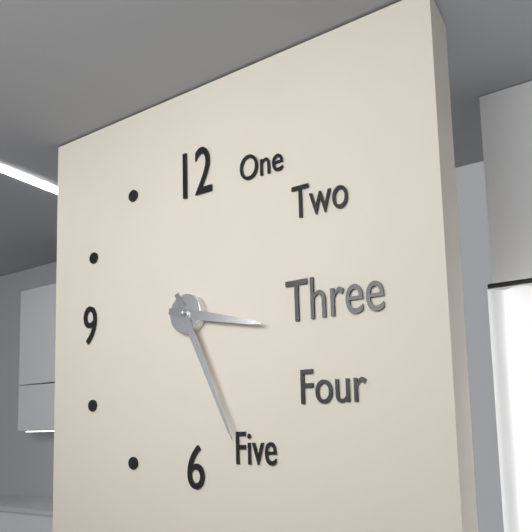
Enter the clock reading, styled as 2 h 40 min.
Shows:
3 h 26 min
